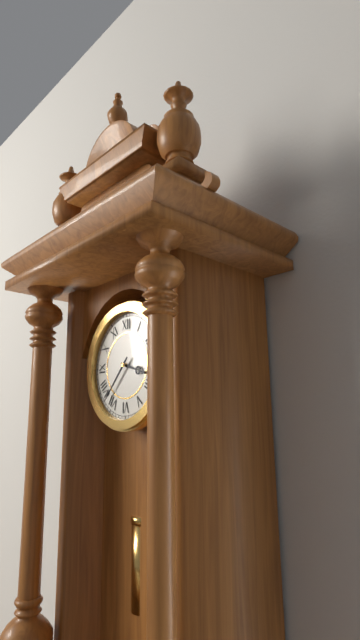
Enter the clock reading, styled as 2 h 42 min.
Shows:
3 h 37 min
